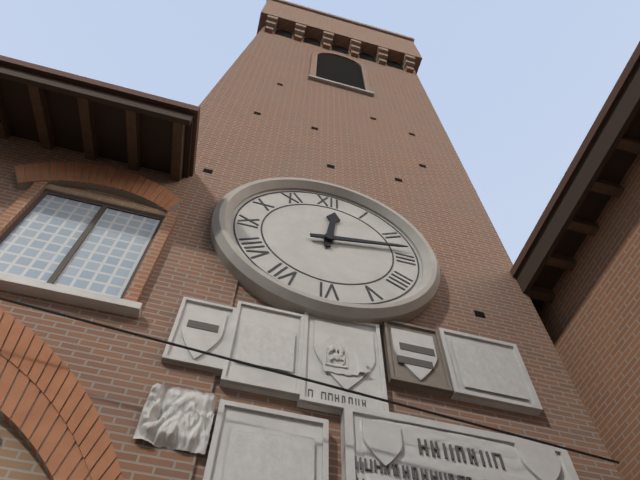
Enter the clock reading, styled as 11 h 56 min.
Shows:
12 h 13 min
